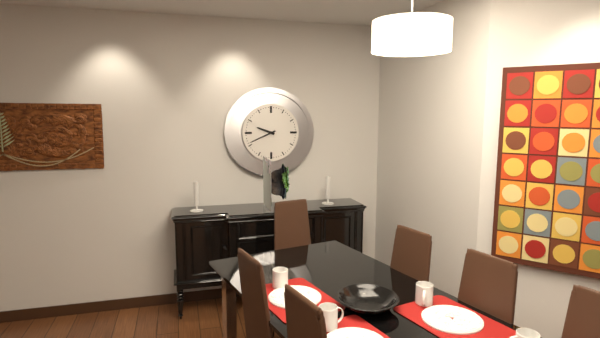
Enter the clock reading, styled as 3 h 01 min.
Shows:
9 h 41 min
